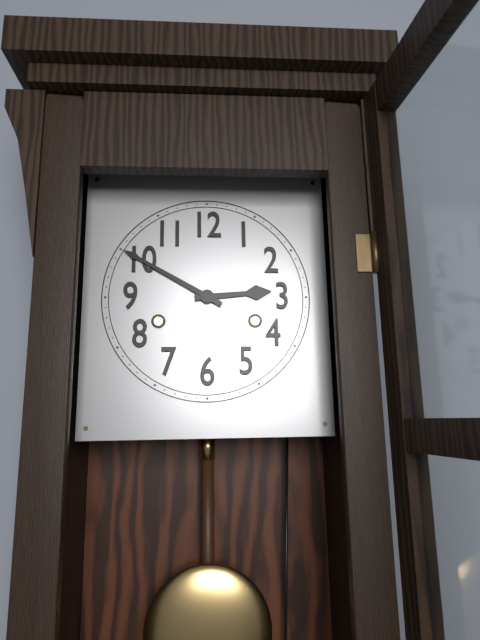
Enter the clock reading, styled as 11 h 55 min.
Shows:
2 h 50 min
